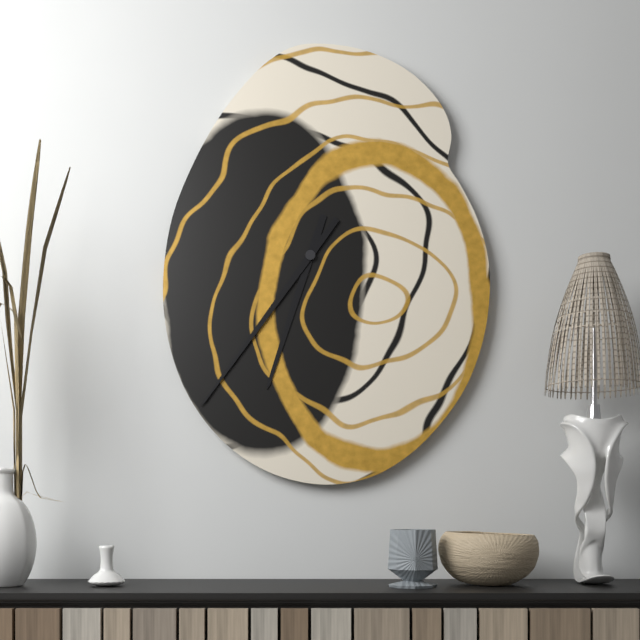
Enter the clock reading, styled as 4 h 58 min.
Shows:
6 h 36 min
